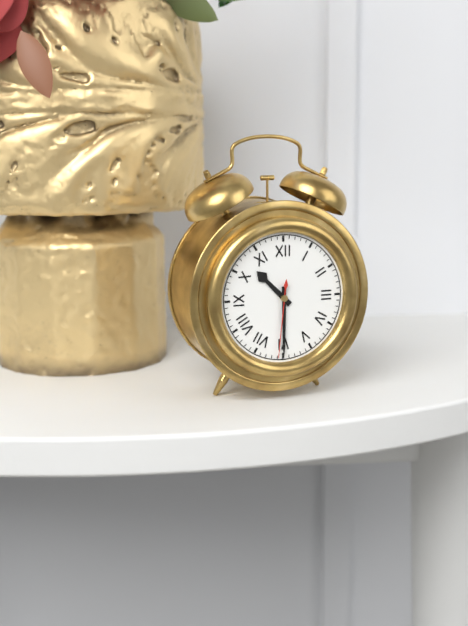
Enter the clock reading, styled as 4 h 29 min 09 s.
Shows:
10 h 30 min 31 s
